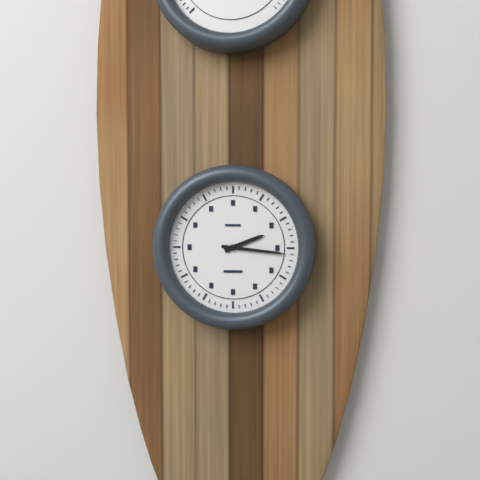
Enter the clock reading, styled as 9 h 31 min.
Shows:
2 h 16 min
